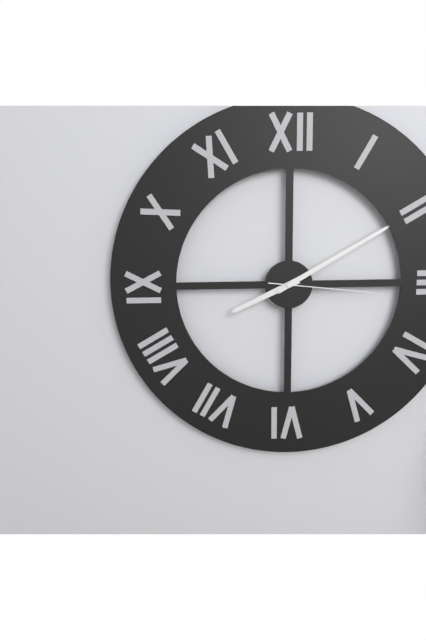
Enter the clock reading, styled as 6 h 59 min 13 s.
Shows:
8 h 10 min 16 s
